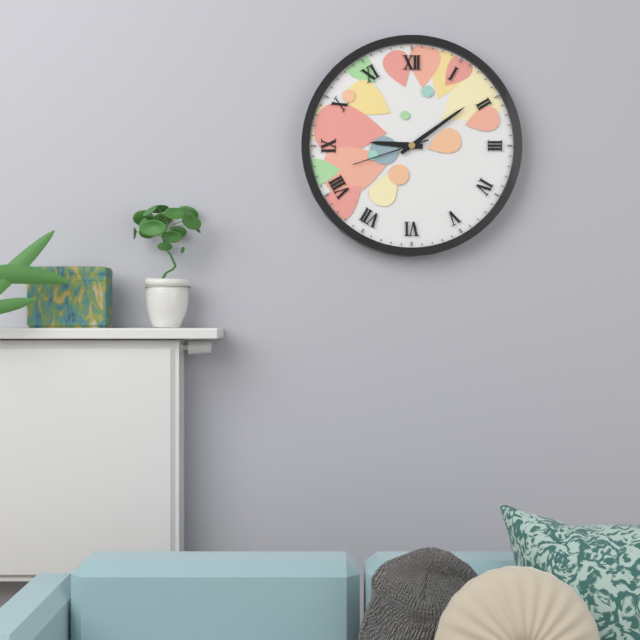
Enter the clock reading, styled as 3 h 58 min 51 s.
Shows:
9 h 09 min 42 s
